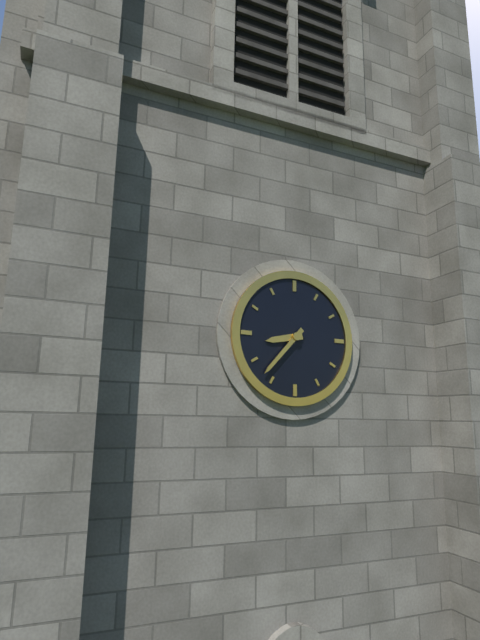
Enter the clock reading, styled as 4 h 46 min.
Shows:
8 h 37 min
